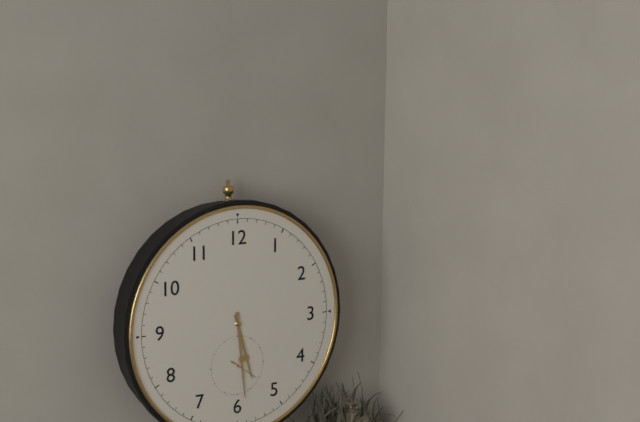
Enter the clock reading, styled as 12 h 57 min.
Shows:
5 h 29 min
